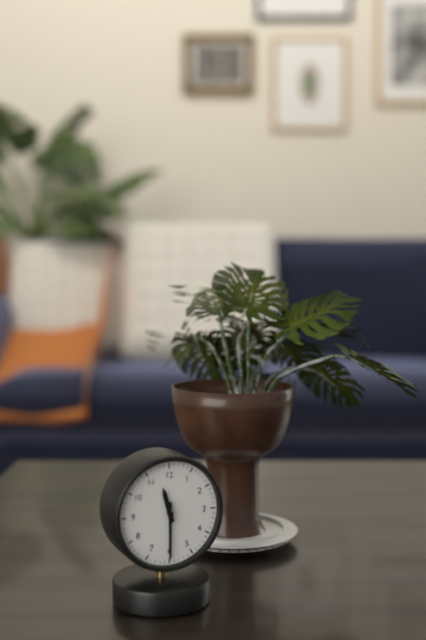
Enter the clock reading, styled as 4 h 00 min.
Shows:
11 h 30 min
